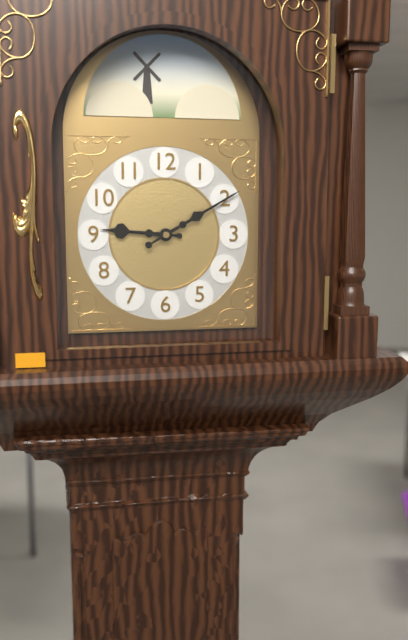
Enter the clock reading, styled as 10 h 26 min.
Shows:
9 h 10 min
